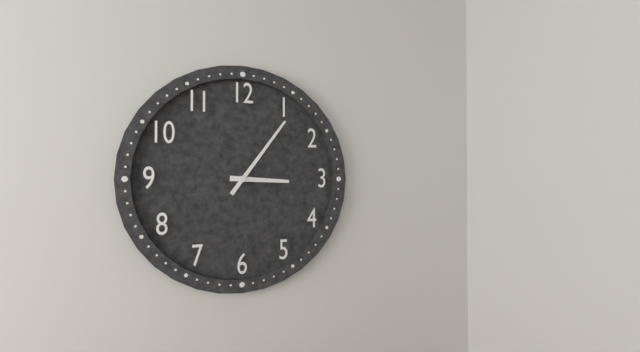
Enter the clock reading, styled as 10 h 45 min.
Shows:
3 h 06 min
